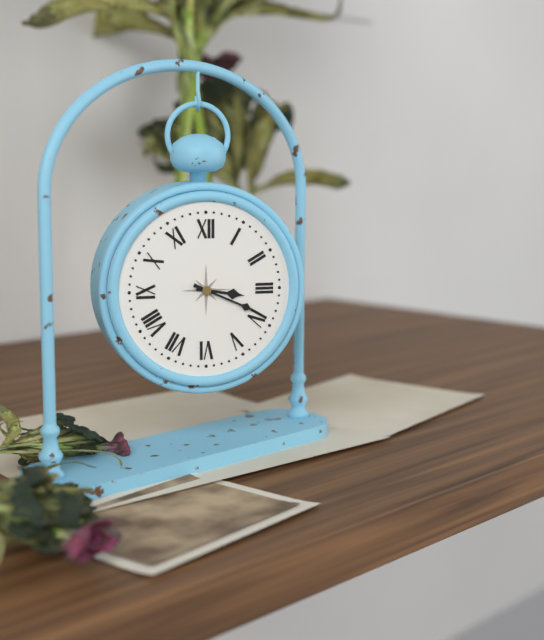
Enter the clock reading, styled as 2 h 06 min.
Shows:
3 h 19 min
